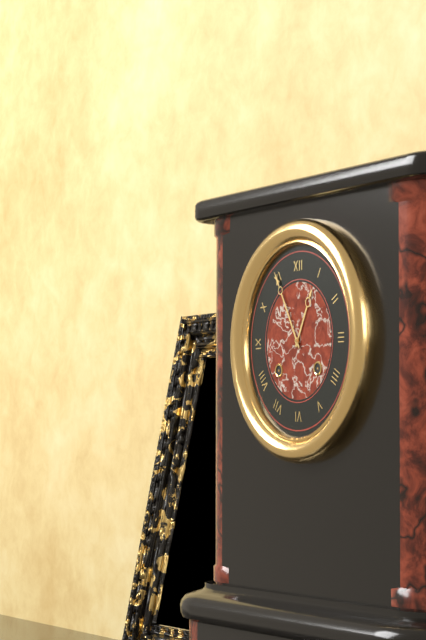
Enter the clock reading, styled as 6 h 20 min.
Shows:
12 h 55 min
